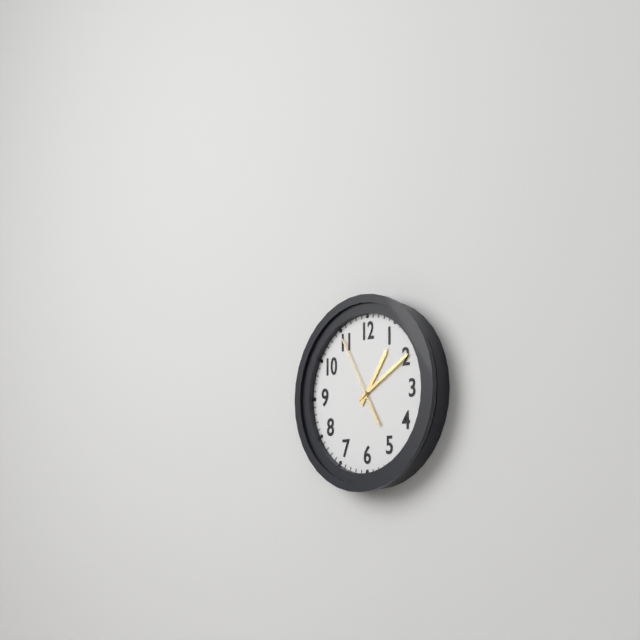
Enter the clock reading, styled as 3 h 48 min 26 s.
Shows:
1 h 10 min 55 s
